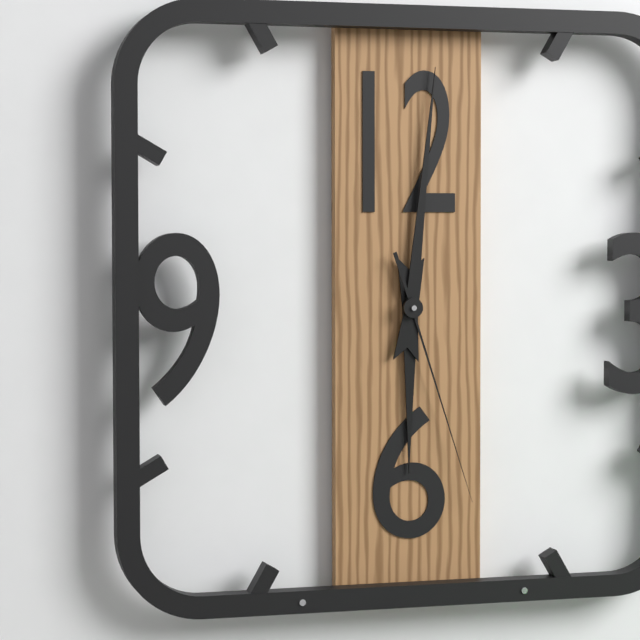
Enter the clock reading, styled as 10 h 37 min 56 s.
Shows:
6 h 01 min 27 s
